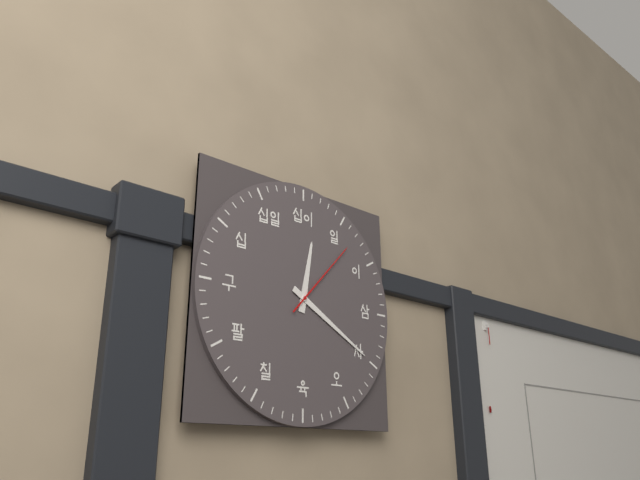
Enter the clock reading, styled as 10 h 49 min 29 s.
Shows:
12 h 20 min 07 s
